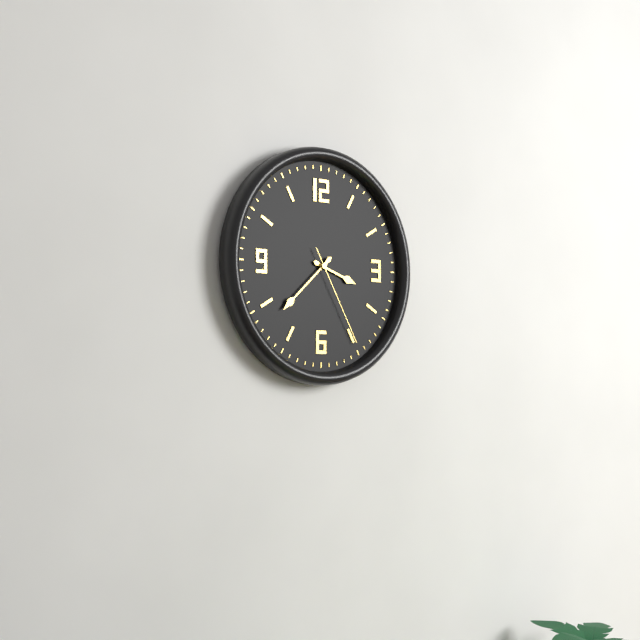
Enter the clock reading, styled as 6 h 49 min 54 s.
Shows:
3 h 38 min 25 s
